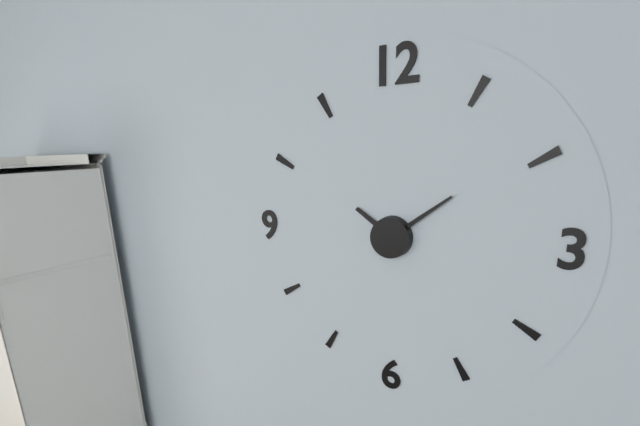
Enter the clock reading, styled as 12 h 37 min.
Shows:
10 h 09 min
